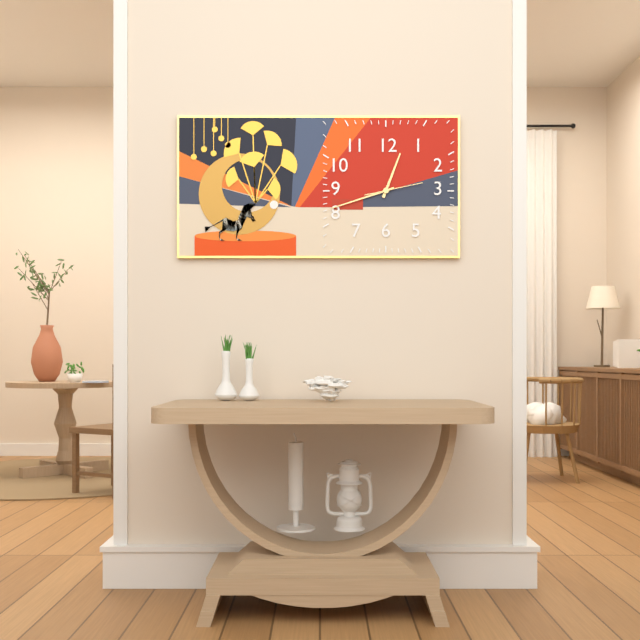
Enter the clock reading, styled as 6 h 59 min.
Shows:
12 h 42 min
